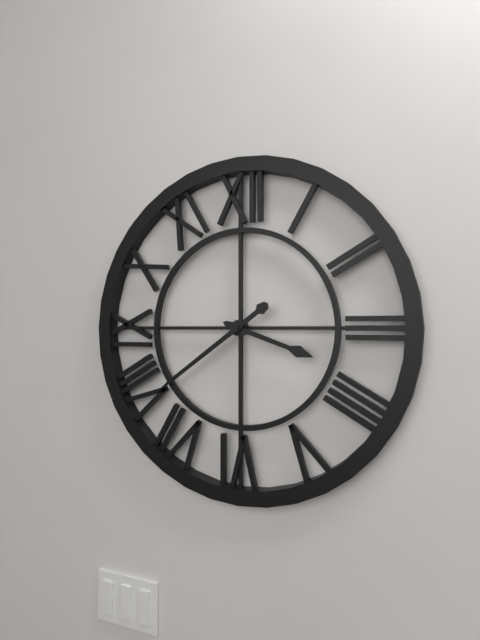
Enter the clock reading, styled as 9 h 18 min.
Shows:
3 h 39 min
